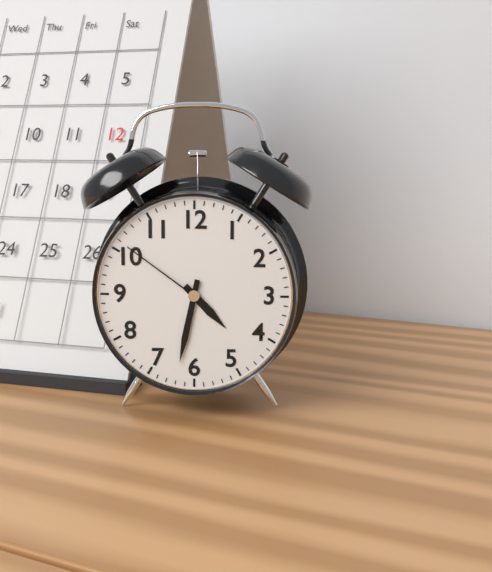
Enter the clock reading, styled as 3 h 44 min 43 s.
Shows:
4 h 32 min 51 s
